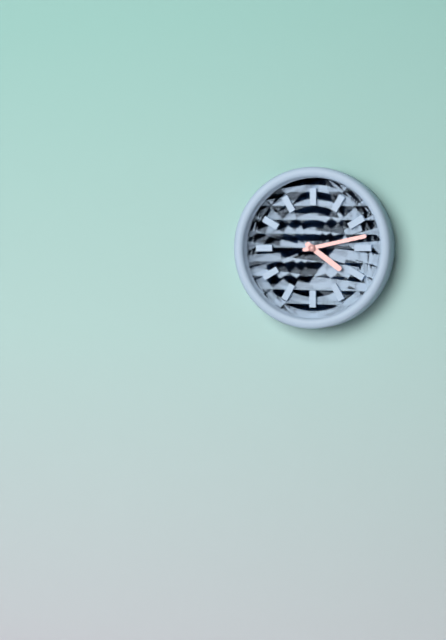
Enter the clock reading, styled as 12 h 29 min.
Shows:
4 h 13 min
